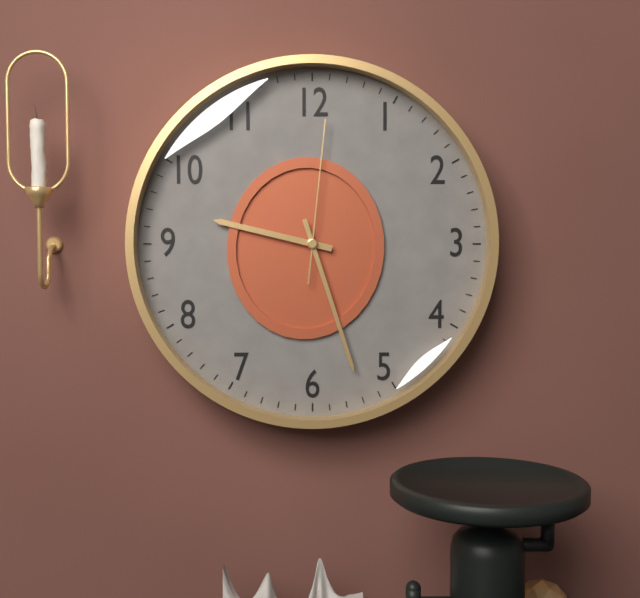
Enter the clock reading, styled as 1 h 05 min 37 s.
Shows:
9 h 27 min 01 s
